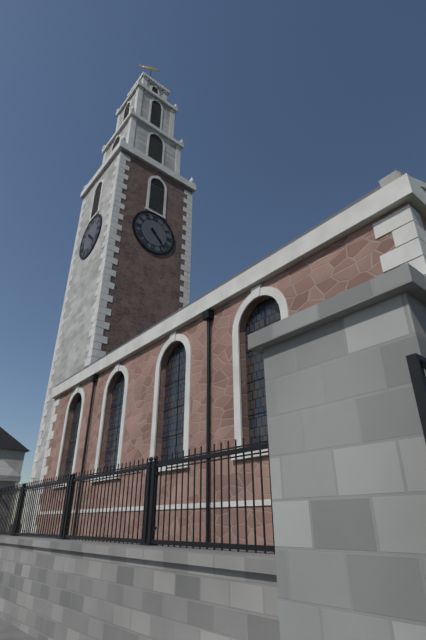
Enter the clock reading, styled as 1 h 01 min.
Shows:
4 h 23 min
